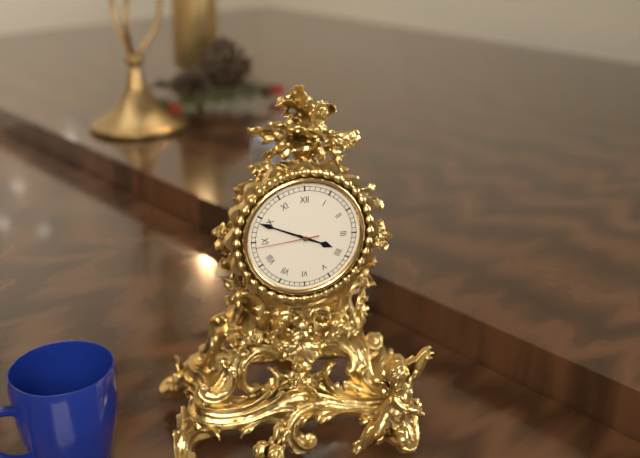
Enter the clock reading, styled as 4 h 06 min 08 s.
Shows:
3 h 49 min 44 s
